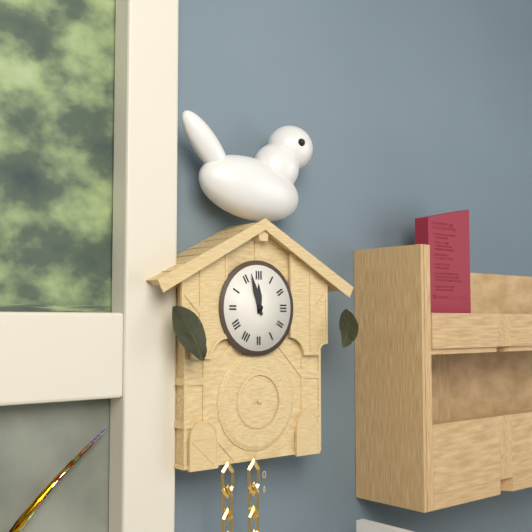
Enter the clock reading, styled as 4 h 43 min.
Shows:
11 h 57 min
